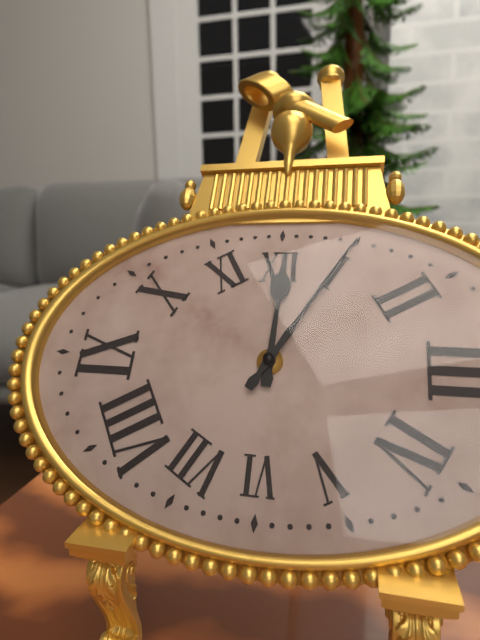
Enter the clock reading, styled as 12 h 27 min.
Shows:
12 h 05 min
